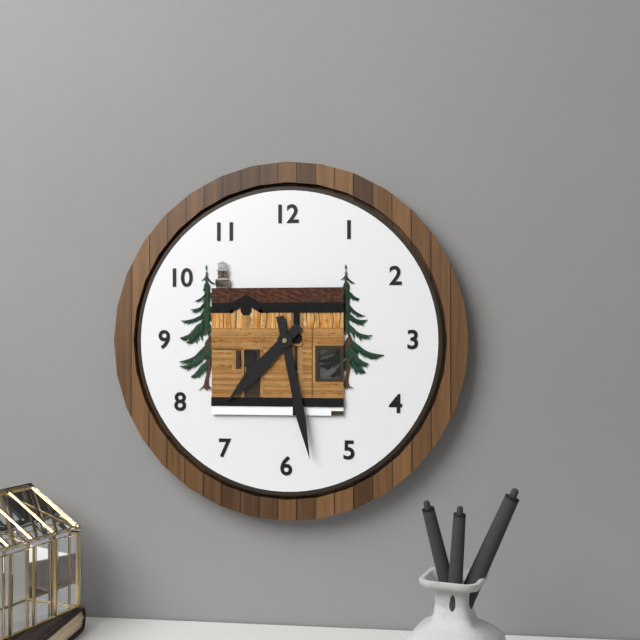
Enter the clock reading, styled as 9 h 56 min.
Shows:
7 h 28 min
